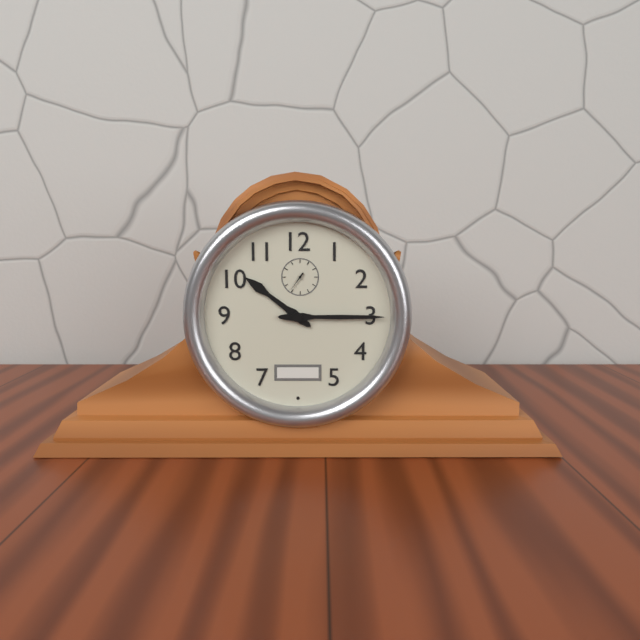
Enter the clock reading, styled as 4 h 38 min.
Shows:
10 h 15 min
